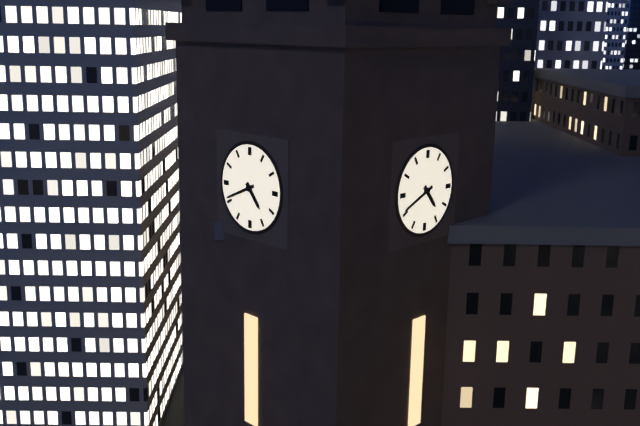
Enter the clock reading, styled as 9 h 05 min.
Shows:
4 h 41 min
